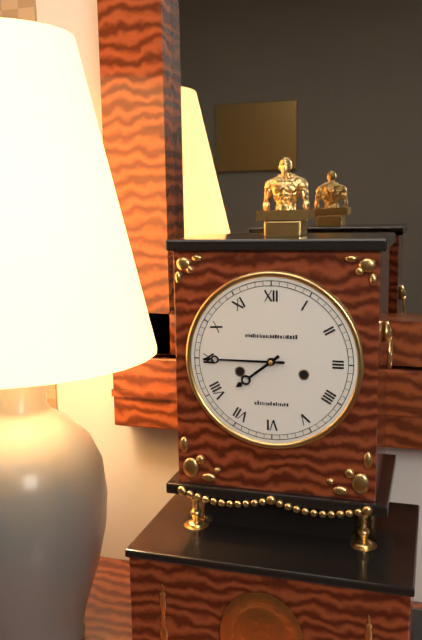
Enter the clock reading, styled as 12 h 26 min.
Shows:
7 h 45 min
